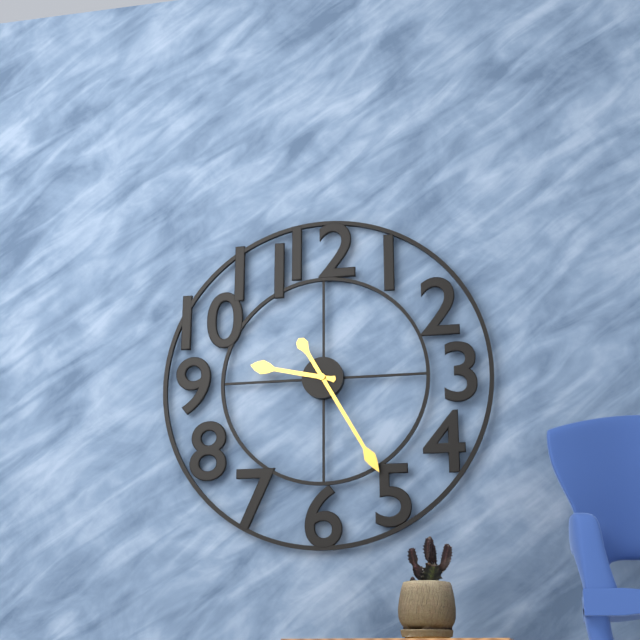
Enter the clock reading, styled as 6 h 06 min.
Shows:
9 h 25 min
